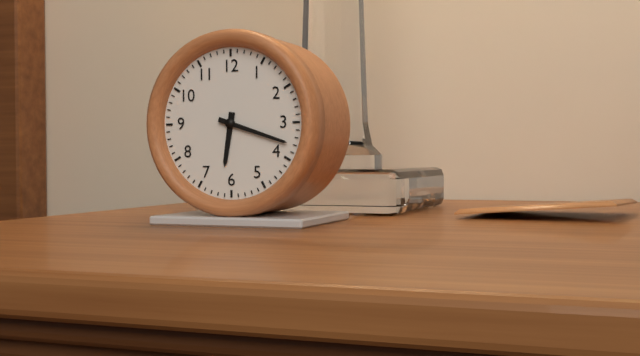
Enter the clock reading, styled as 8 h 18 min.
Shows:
6 h 18 min
